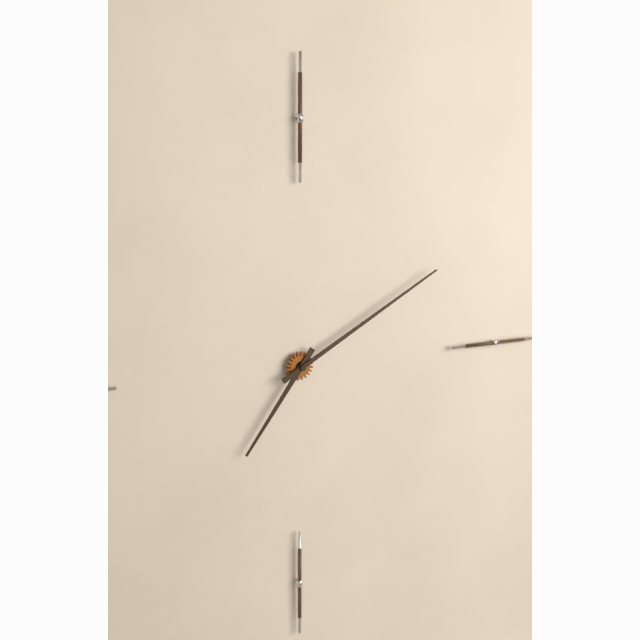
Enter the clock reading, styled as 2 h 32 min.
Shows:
7 h 10 min
